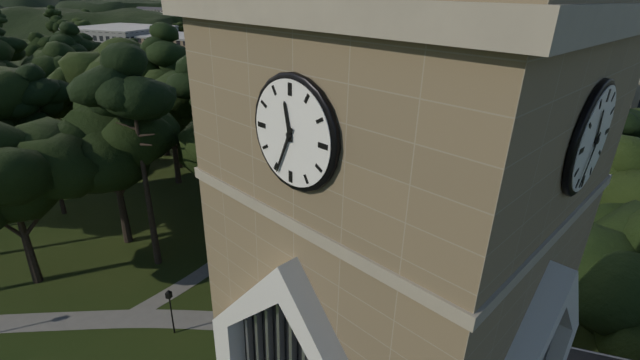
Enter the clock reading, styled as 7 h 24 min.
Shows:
11 h 34 min
